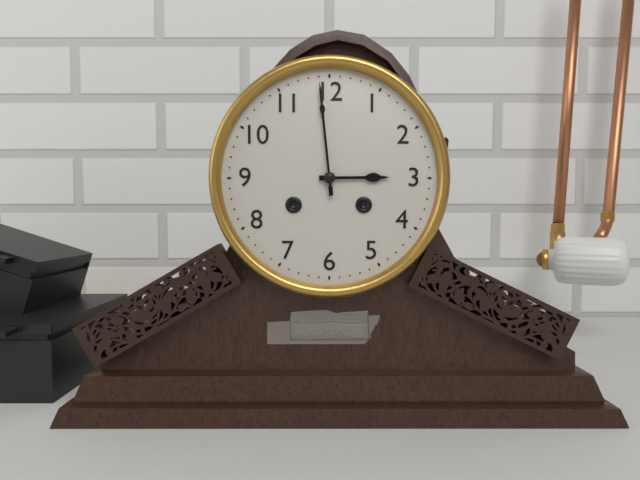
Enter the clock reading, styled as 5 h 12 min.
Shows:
2 h 59 min
